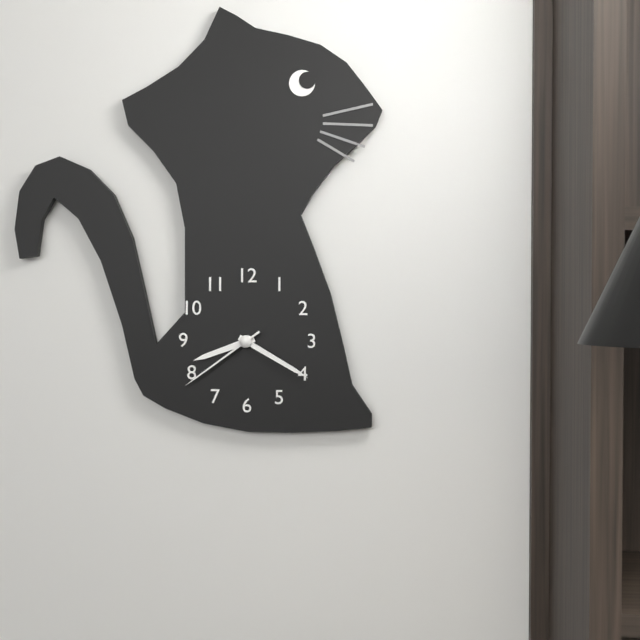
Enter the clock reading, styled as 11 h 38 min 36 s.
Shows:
8 h 20 min 39 s
